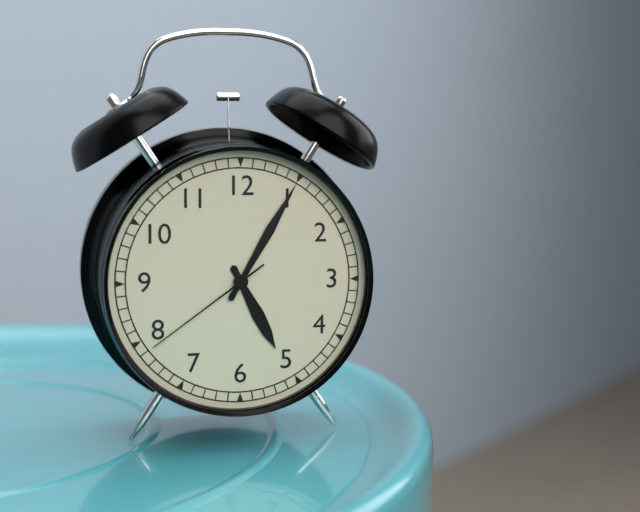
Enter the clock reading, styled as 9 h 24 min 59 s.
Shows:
5 h 05 min 39 s
